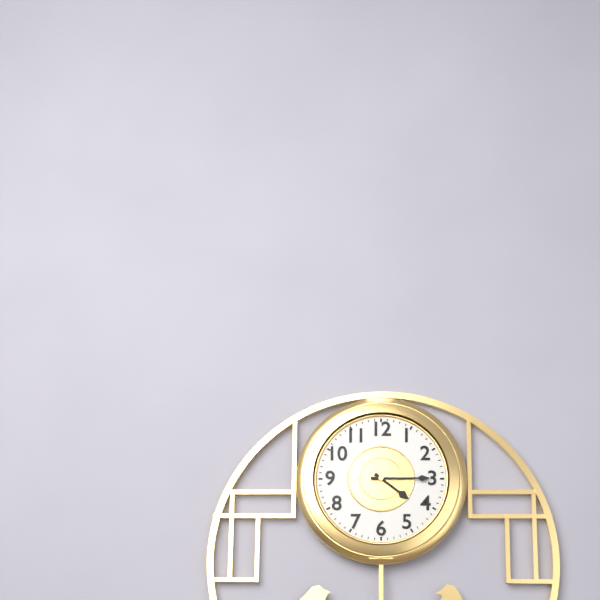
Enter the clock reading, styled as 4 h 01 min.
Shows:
4 h 15 min
